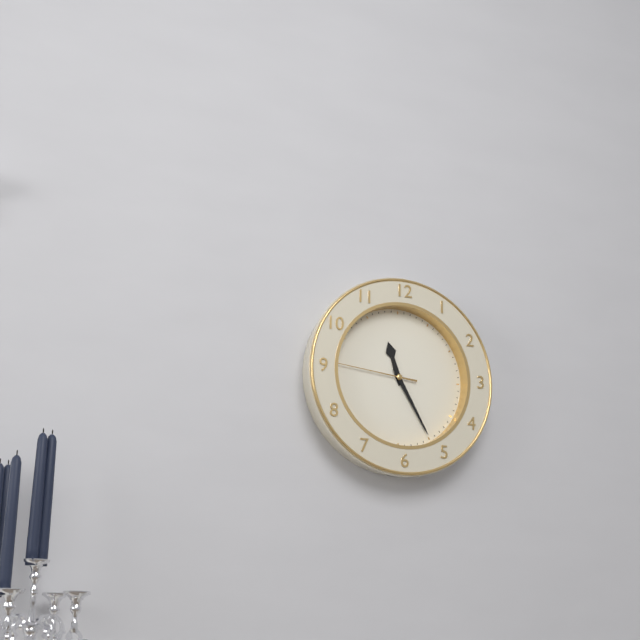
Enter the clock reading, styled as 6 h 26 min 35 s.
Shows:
11 h 25 min 46 s
